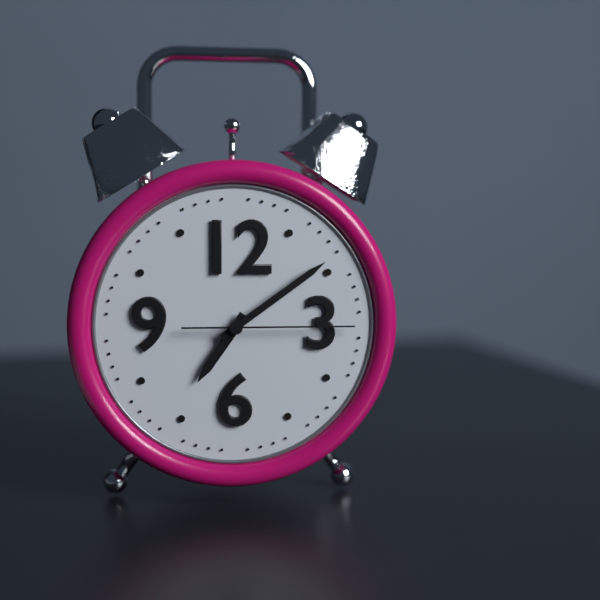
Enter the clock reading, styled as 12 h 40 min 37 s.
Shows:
7 h 09 min 15 s
